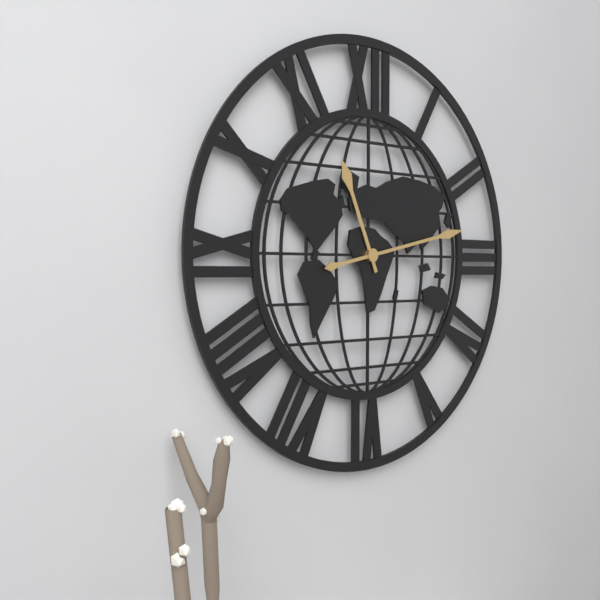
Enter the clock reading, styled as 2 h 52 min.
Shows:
11 h 13 min
